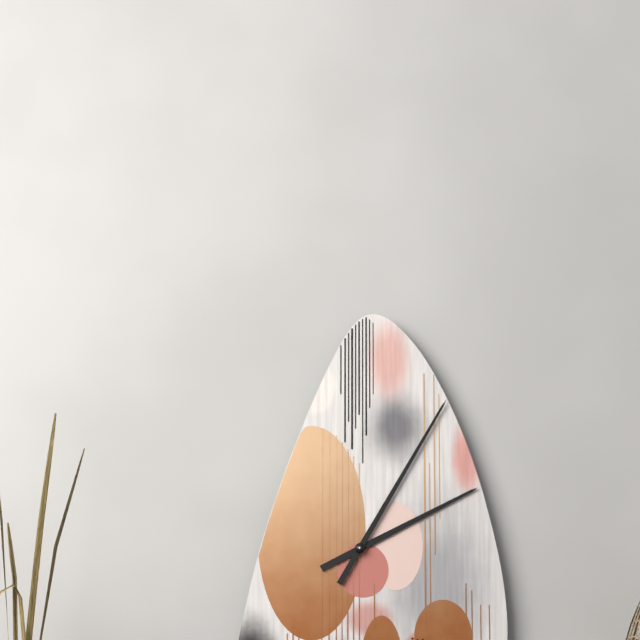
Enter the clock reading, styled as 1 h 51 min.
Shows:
2 h 05 min
